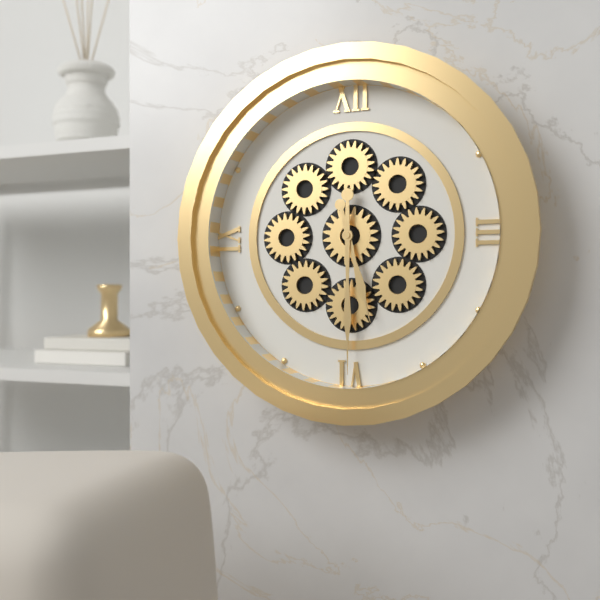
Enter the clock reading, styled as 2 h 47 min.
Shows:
5 h 30 min
